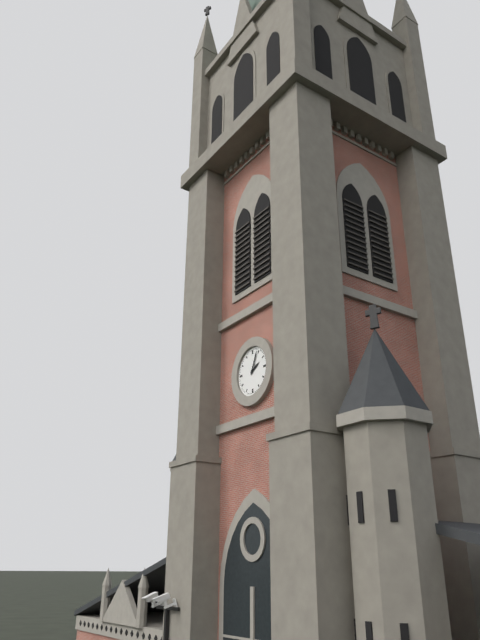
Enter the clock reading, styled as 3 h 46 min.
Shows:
2 h 04 min
